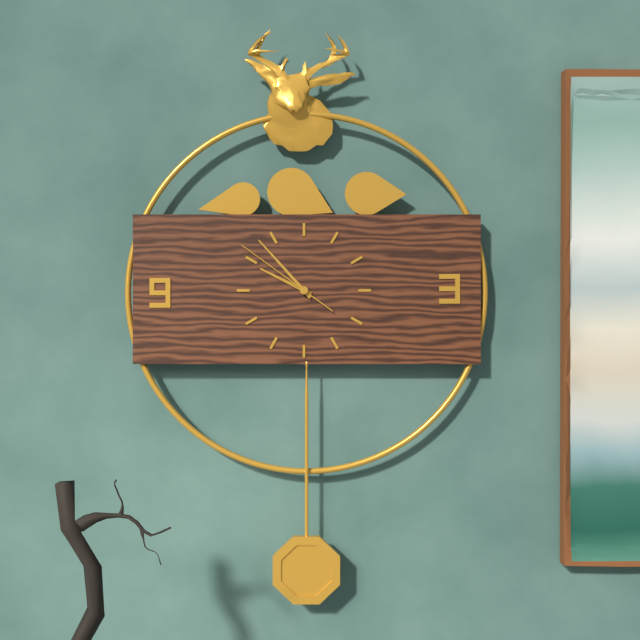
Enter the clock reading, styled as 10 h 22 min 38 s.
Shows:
9 h 53 min 51 s
